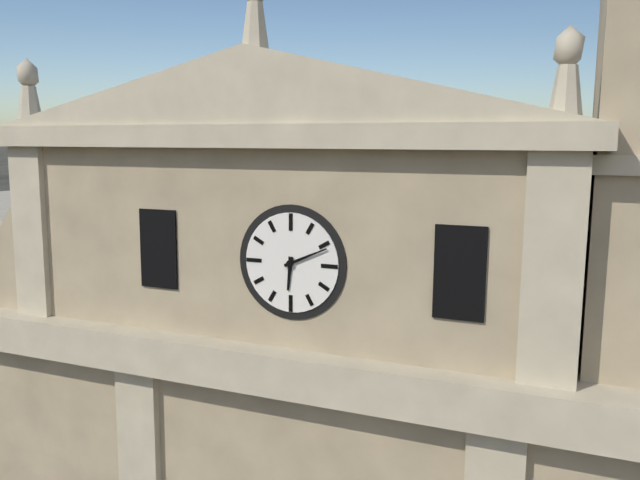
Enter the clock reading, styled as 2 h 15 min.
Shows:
6 h 11 min
